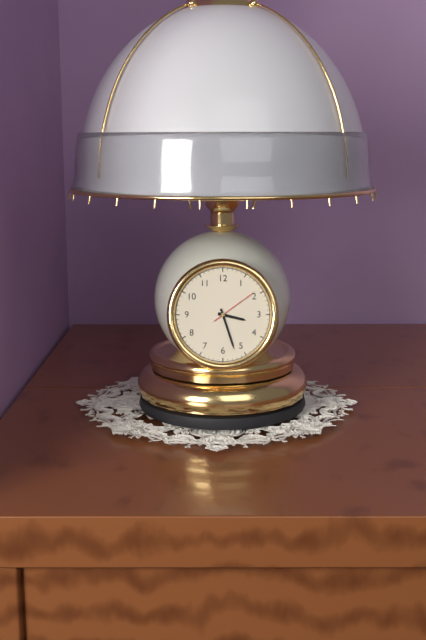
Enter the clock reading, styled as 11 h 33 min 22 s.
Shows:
3 h 27 min 09 s
